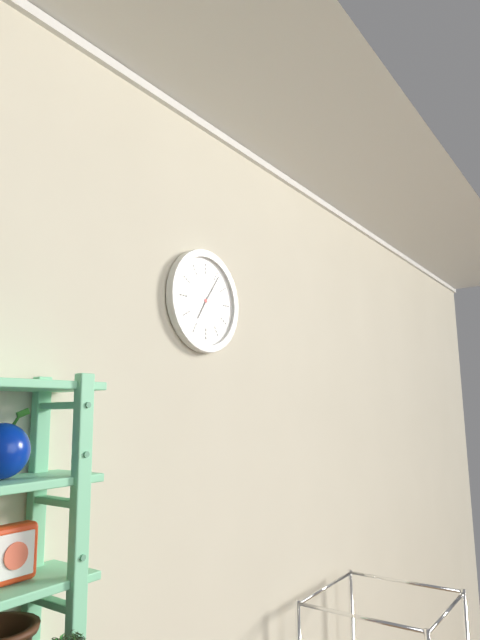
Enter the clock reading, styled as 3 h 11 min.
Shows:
7 h 06 min
